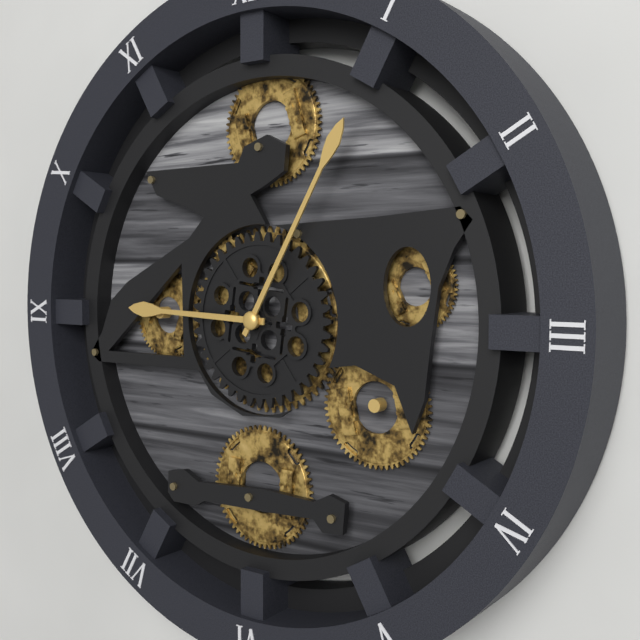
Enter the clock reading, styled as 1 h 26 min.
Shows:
9 h 05 min
